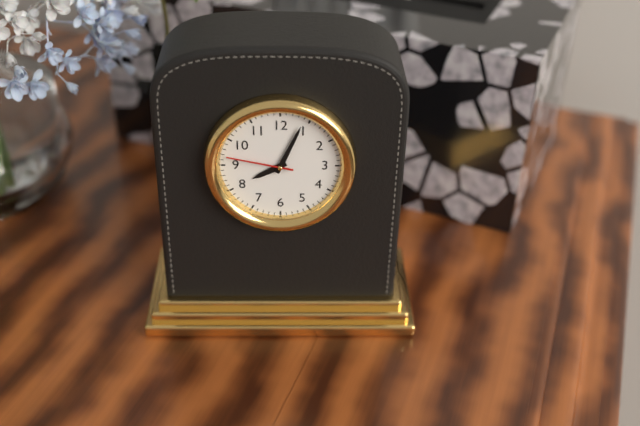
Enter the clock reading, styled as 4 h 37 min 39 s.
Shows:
8 h 04 min 47 s
